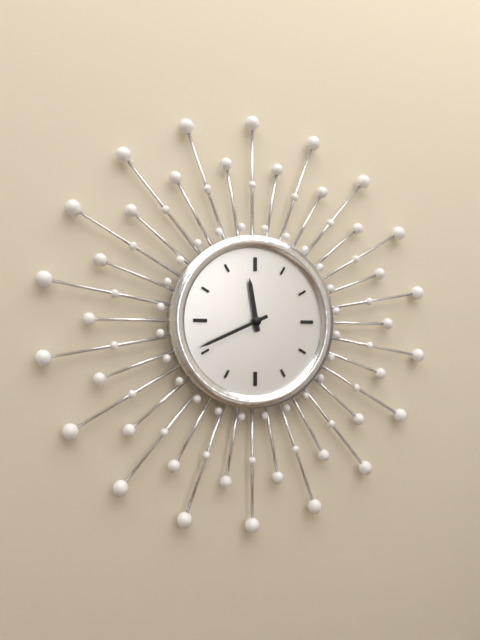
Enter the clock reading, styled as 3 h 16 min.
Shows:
11 h 41 min
